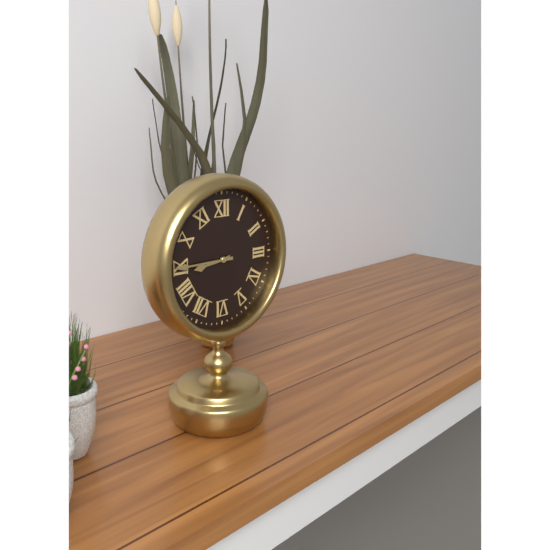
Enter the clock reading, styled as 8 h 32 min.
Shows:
8 h 45 min
